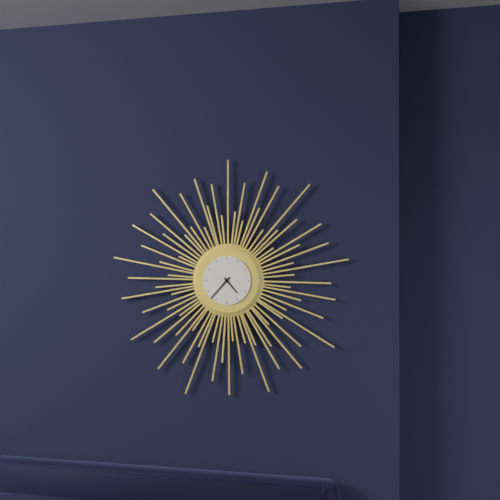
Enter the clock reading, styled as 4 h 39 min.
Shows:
4 h 37 min
